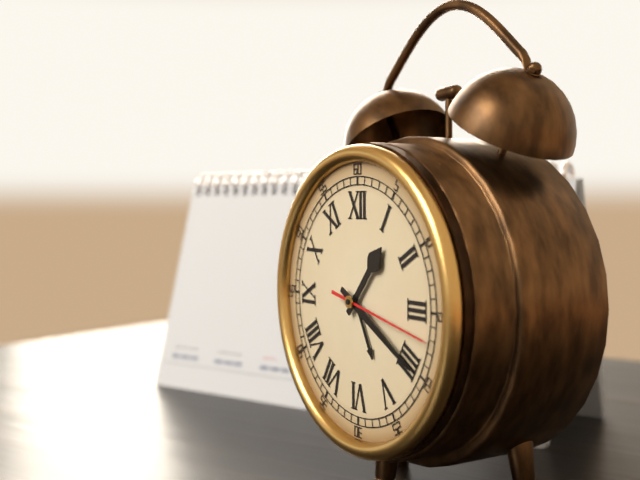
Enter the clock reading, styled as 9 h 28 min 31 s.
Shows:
1 h 20 min 17 s
